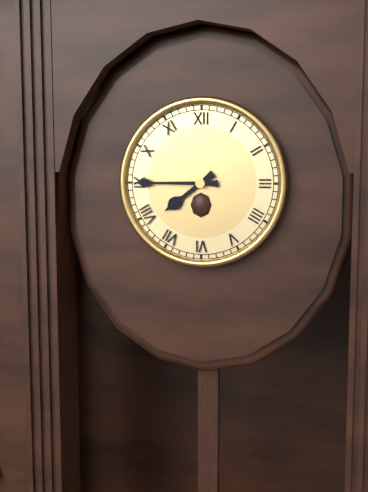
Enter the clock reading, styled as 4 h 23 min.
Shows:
7 h 45 min
